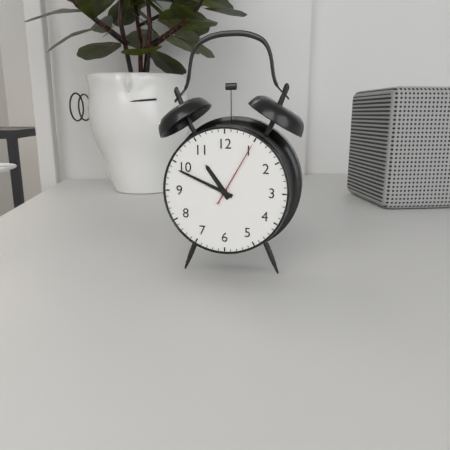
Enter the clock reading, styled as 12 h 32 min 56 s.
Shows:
10 h 49 min 05 s
